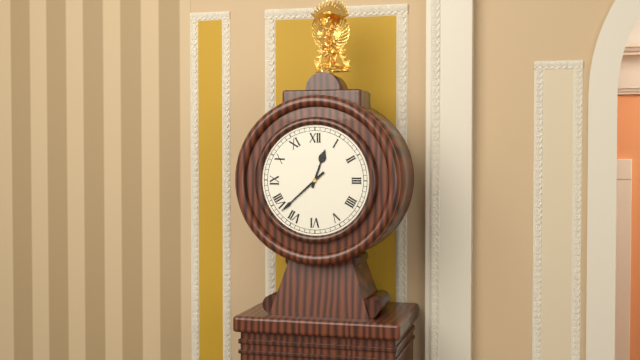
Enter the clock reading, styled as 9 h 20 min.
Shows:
12 h 38 min
